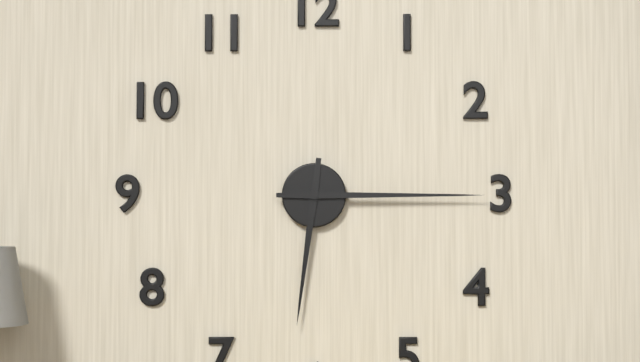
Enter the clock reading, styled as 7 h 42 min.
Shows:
6 h 15 min
